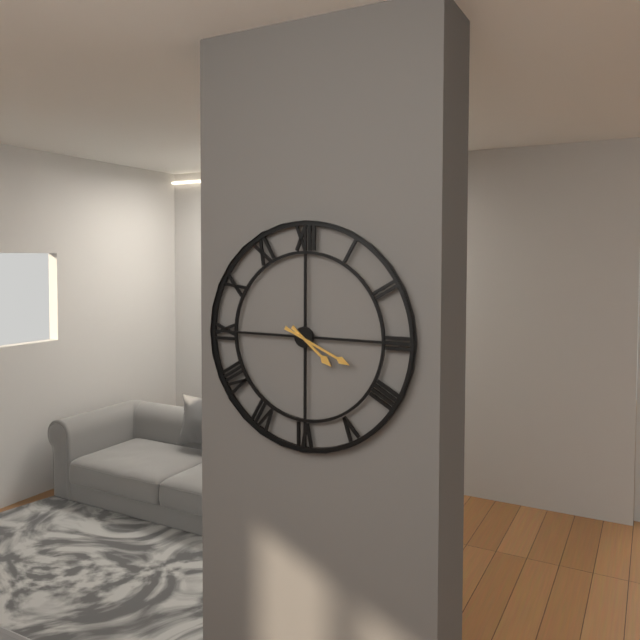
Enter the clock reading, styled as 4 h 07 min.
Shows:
4 h 19 min
